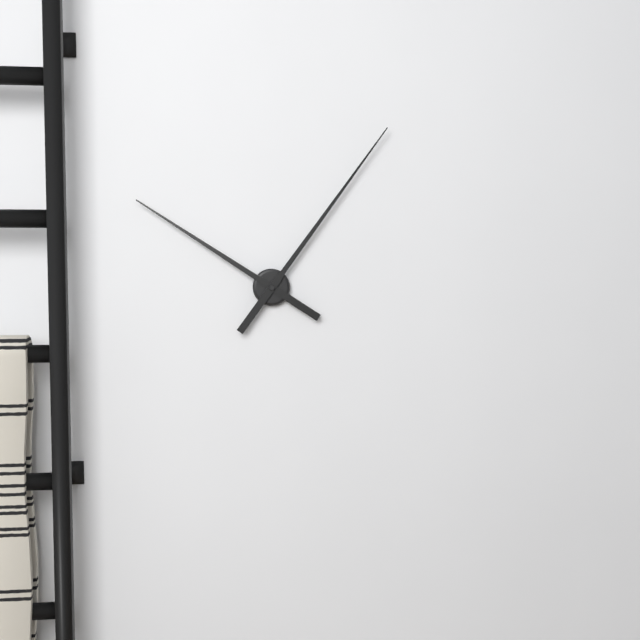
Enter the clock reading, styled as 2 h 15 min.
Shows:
10 h 06 min
